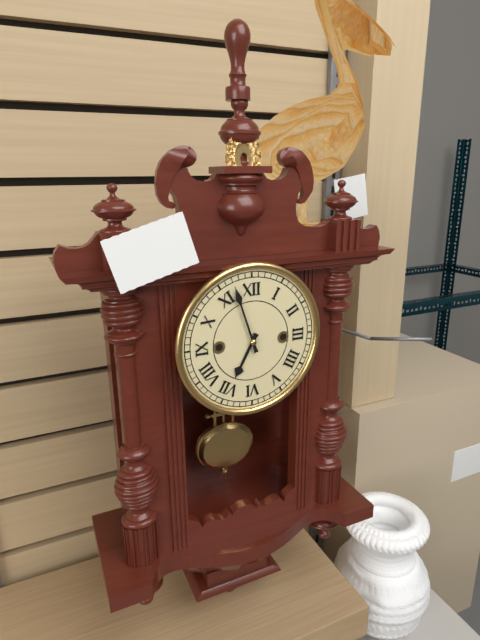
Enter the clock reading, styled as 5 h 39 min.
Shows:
6 h 57 min
